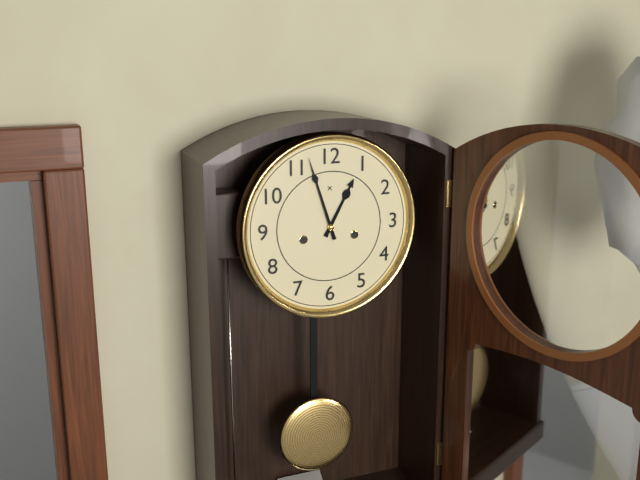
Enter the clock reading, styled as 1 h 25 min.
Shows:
12 h 57 min
